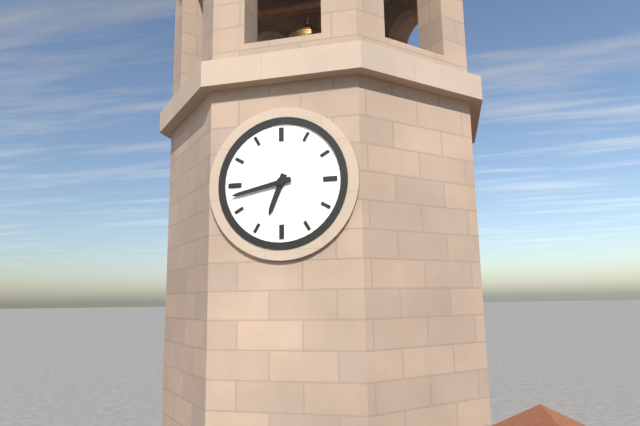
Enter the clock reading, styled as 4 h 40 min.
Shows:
6 h 43 min
